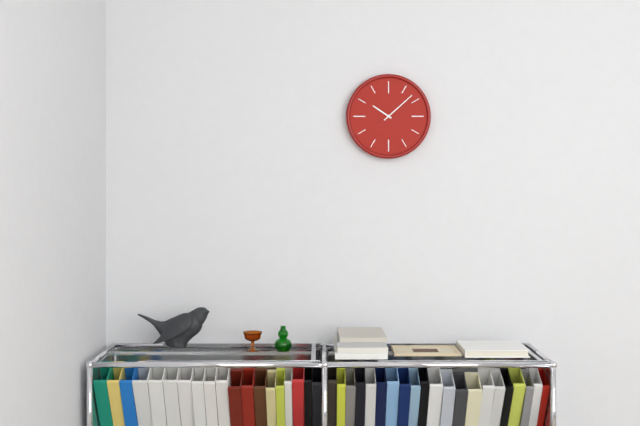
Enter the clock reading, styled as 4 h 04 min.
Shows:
10 h 08 min
